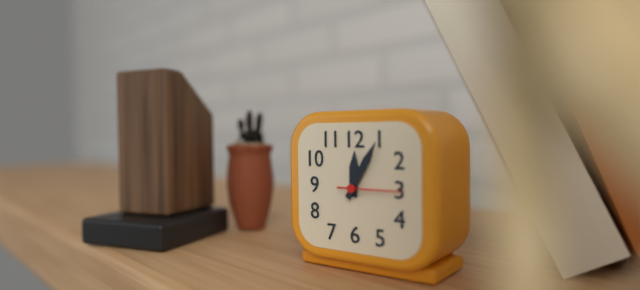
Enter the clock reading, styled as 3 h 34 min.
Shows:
12 h 05 min
